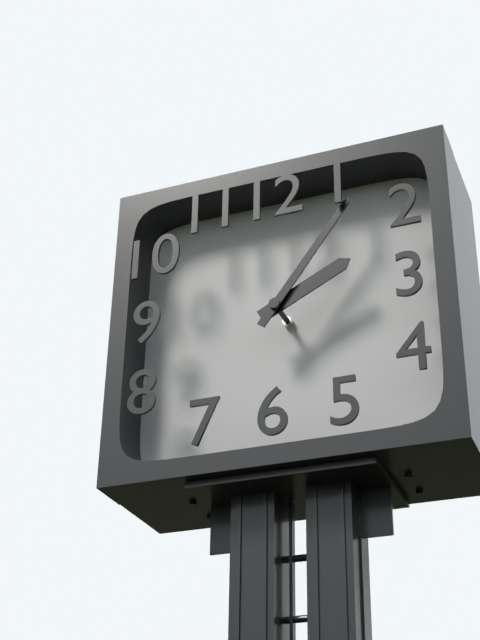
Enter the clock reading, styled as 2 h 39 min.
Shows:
2 h 06 min
